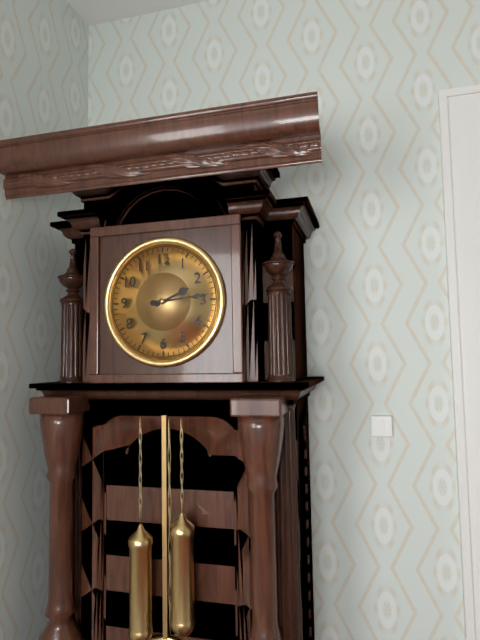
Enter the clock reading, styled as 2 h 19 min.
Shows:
2 h 14 min
